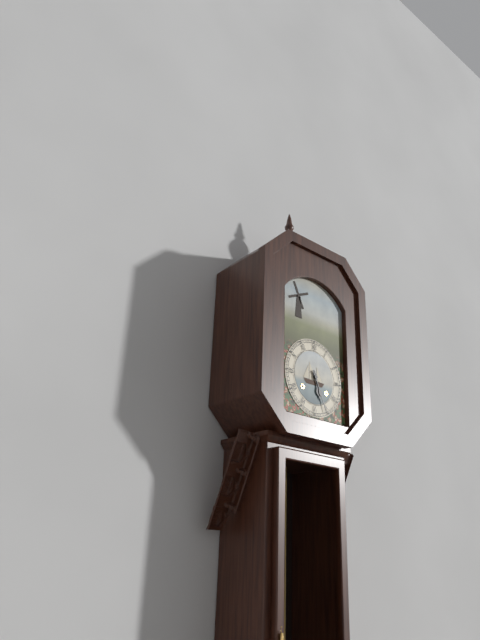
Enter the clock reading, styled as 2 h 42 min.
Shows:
5 h 26 min
